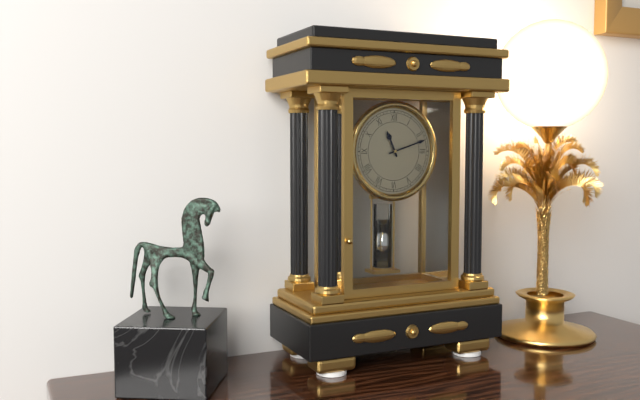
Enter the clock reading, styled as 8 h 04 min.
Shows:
11 h 12 min
